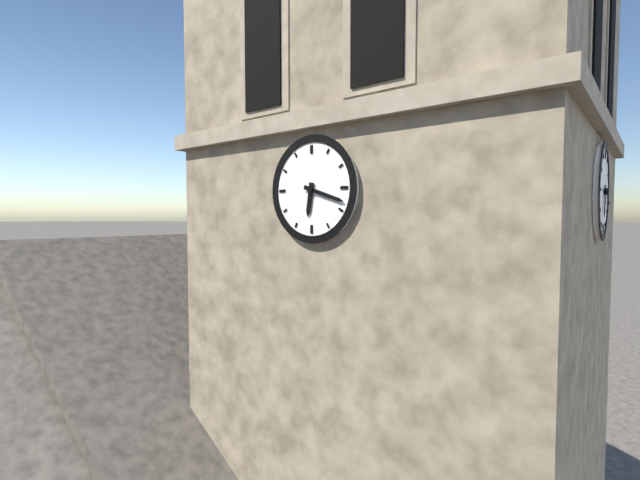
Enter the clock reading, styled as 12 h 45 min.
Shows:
6 h 18 min
